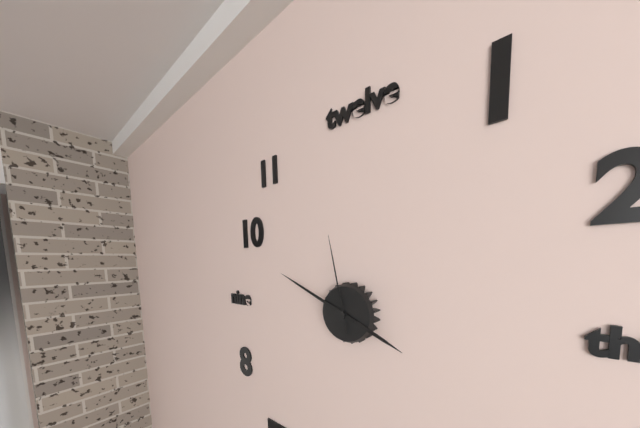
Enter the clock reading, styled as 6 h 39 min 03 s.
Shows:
3 h 49 min 58 s
